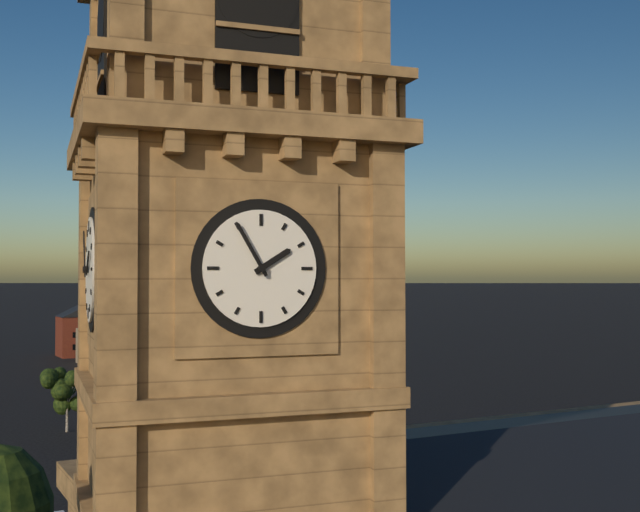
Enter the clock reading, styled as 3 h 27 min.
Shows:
1 h 55 min
